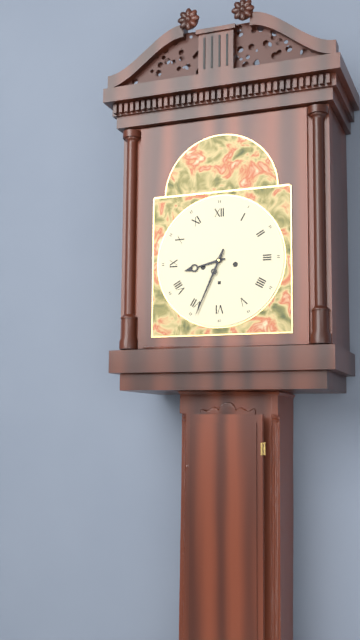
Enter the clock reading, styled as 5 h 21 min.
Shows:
8 h 34 min
